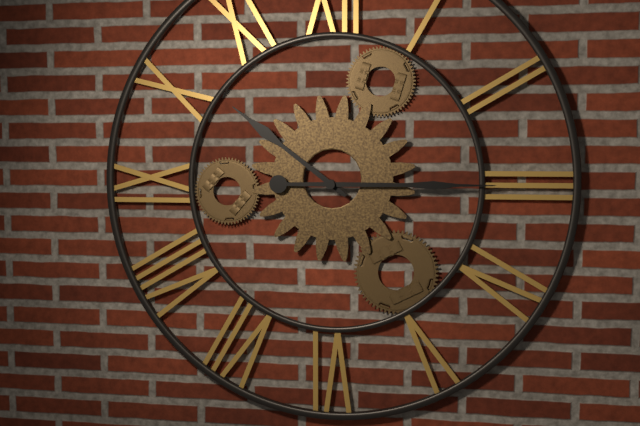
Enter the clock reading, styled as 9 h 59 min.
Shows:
10 h 15 min
